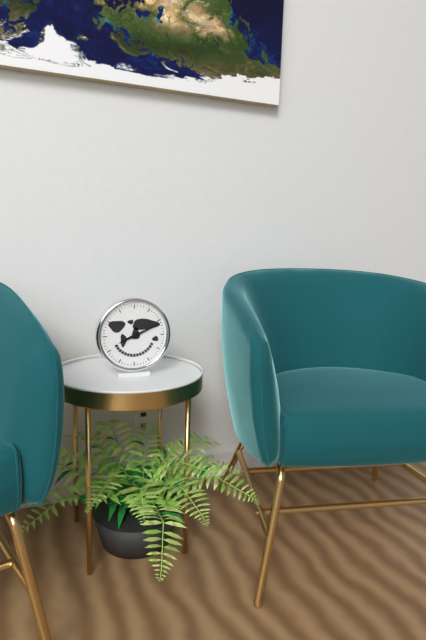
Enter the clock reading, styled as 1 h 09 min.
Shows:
8 h 11 min
